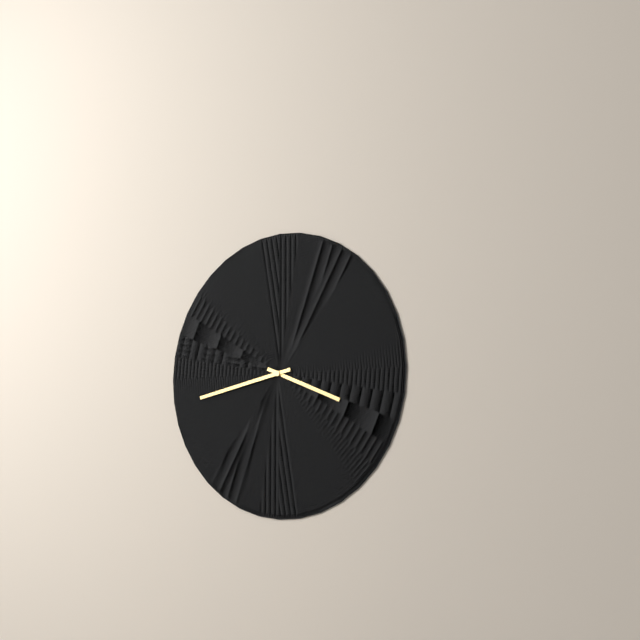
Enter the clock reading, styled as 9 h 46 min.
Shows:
3 h 43 min
